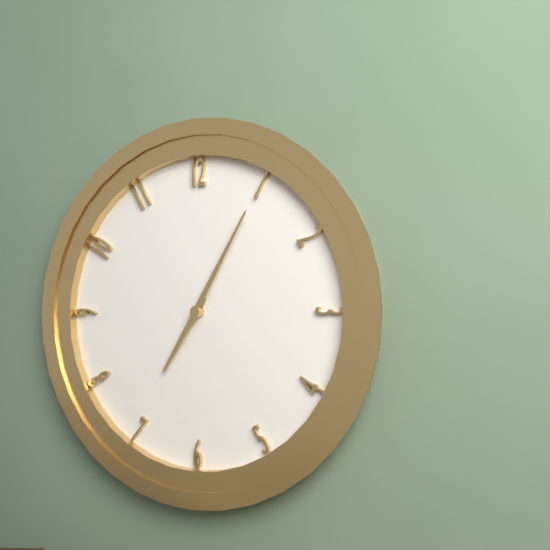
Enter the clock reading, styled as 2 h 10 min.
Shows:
7 h 05 min
